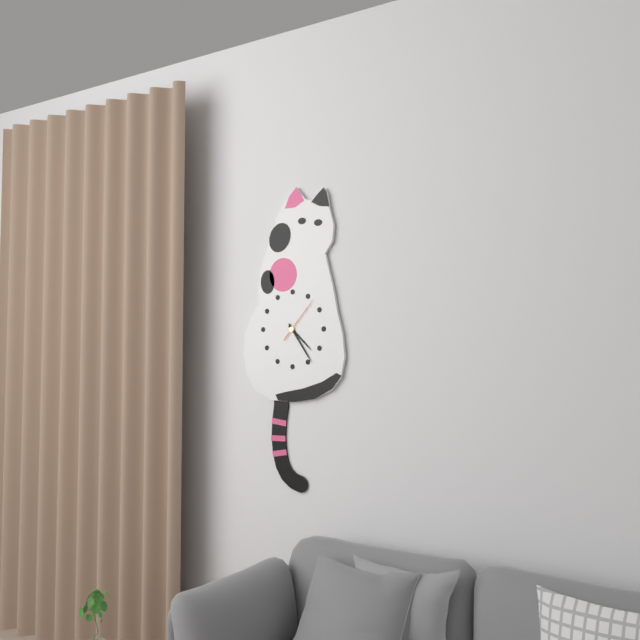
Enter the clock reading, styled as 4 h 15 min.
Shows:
4 h 24 min
